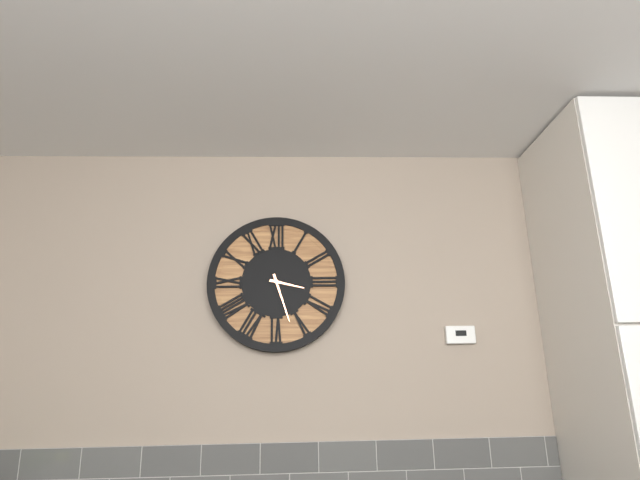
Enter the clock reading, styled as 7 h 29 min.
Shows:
3 h 27 min
